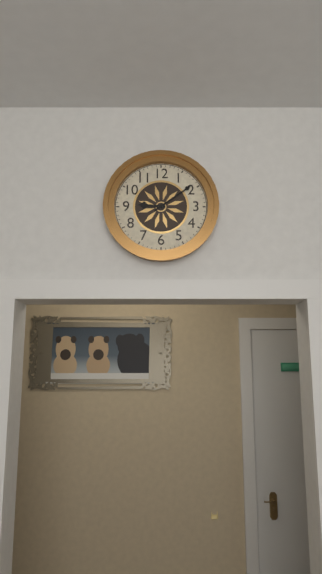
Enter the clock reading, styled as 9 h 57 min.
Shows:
9 h 09 min
